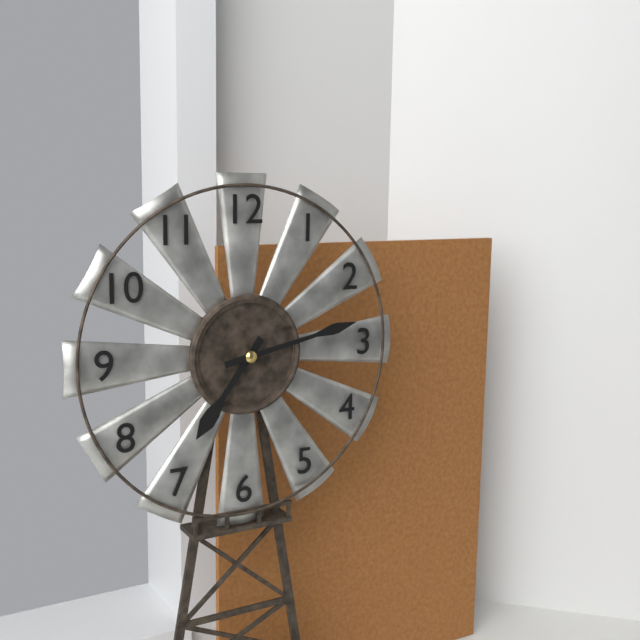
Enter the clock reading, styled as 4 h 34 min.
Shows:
7 h 13 min
